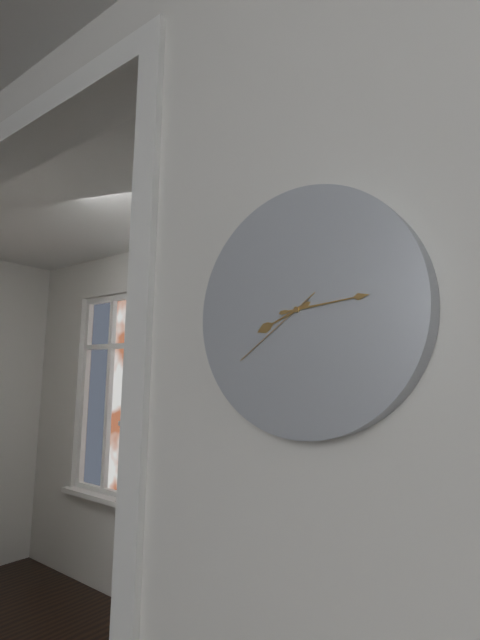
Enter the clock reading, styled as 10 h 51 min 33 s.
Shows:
8 h 14 min 39 s
